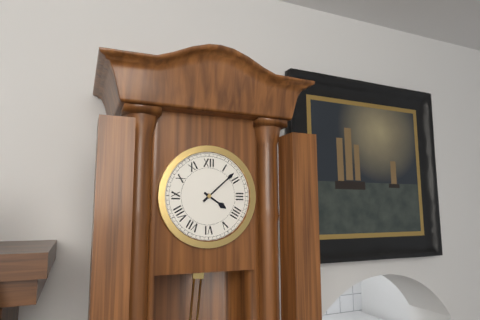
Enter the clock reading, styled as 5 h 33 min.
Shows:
4 h 08 min
